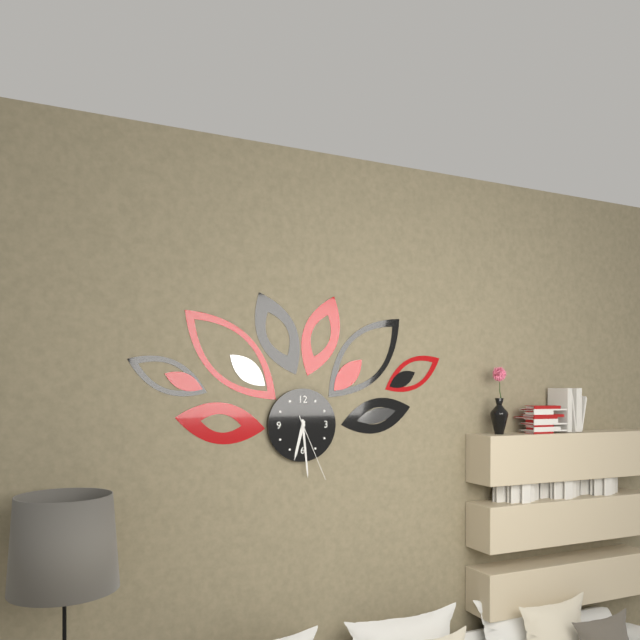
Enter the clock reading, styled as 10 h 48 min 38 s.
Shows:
6 h 29 min 26 s
